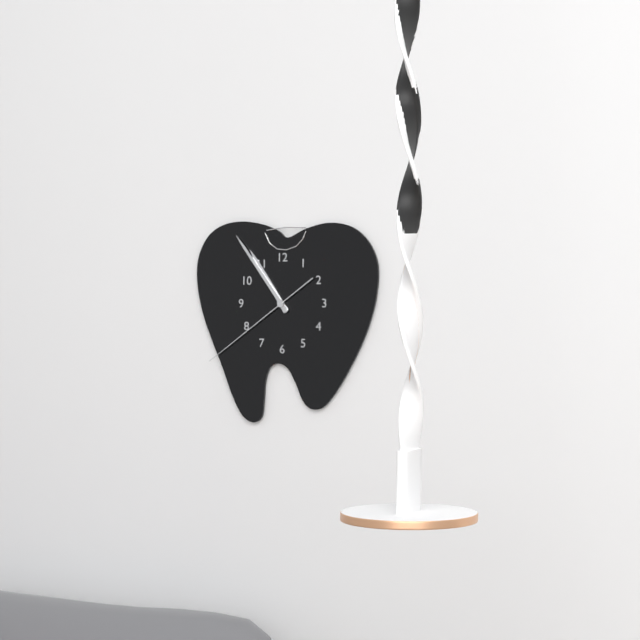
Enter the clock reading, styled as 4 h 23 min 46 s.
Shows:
10 h 54 min 39 s
